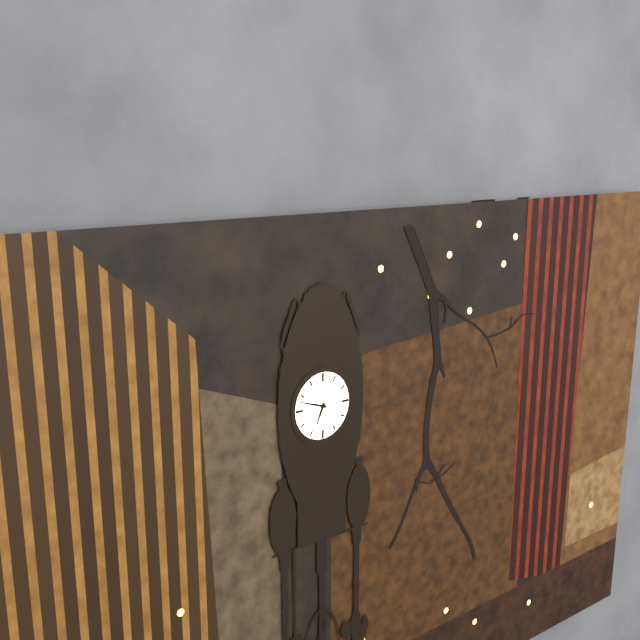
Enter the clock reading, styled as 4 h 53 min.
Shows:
6 h 48 min
